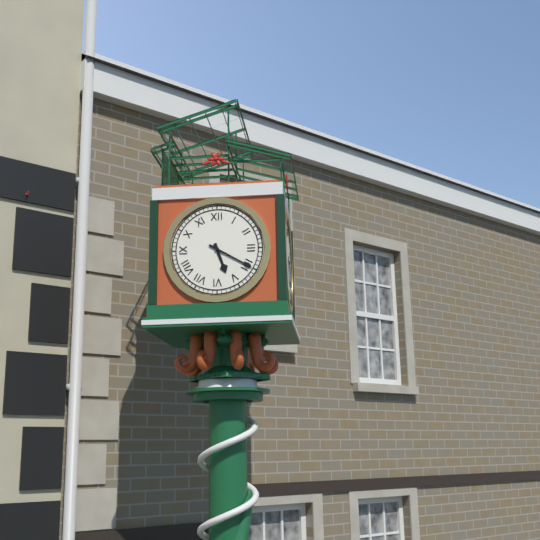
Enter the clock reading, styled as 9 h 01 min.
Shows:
5 h 20 min
